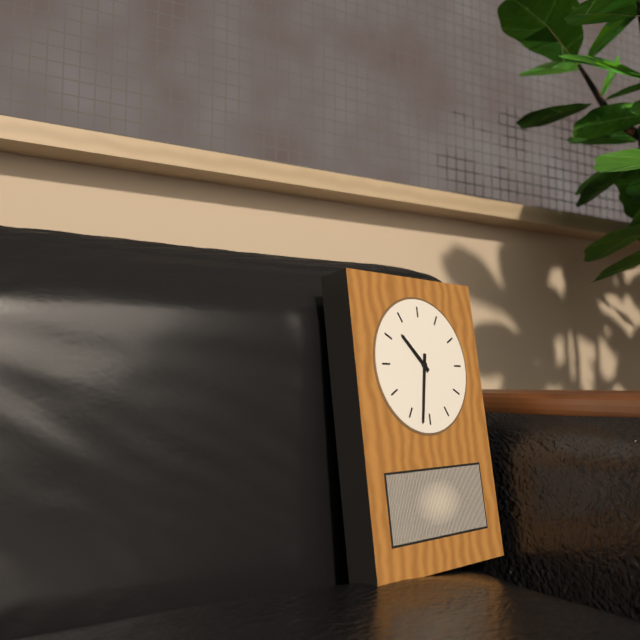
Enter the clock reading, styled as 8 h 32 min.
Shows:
10 h 32 min
